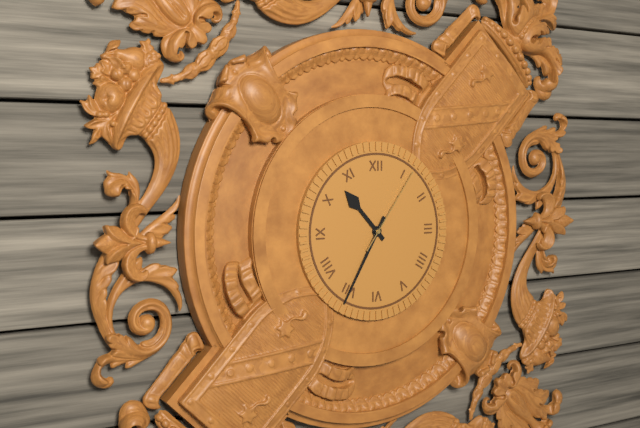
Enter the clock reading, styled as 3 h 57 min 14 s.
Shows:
10 h 35 min 06 s
